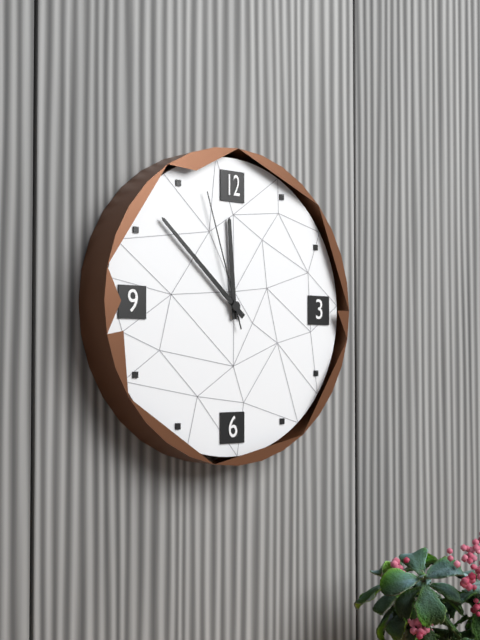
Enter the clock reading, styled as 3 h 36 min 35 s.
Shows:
11 h 52 min 57 s
